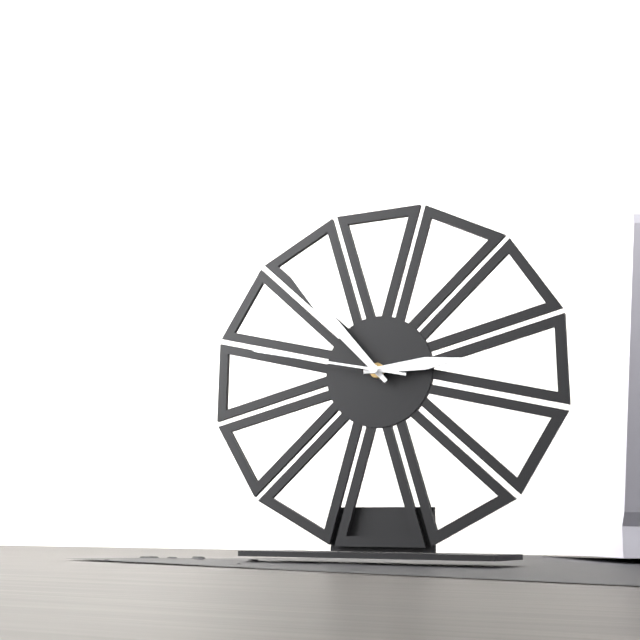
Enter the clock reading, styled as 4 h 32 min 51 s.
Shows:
2 h 53 min 47 s
